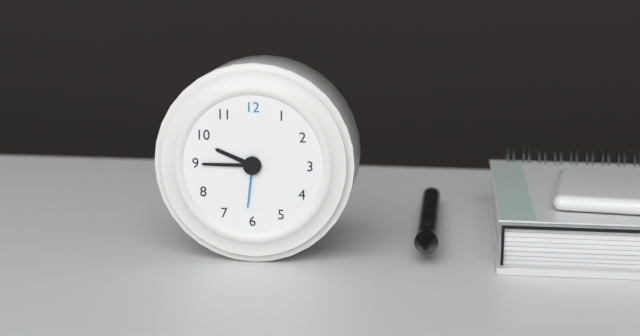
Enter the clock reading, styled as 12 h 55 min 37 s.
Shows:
9 h 45 min 31 s
